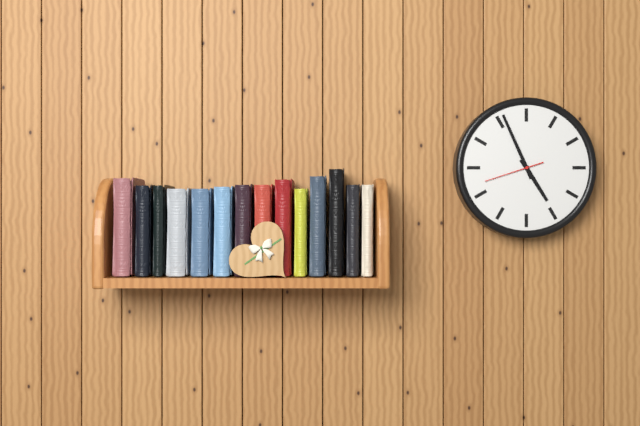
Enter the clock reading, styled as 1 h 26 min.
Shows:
4 h 56 min
